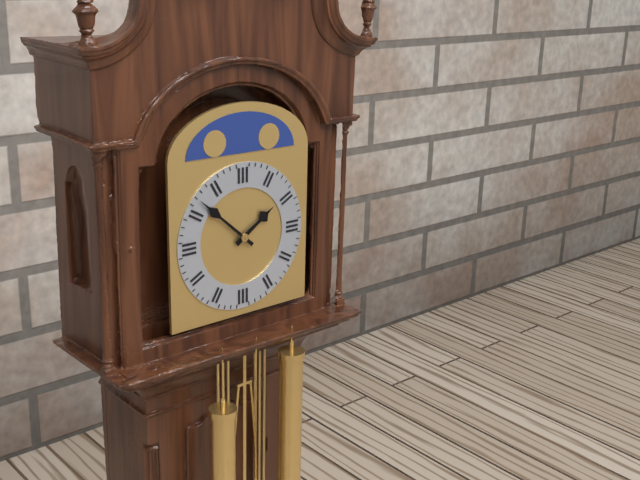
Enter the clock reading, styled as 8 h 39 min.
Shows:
1 h 52 min
